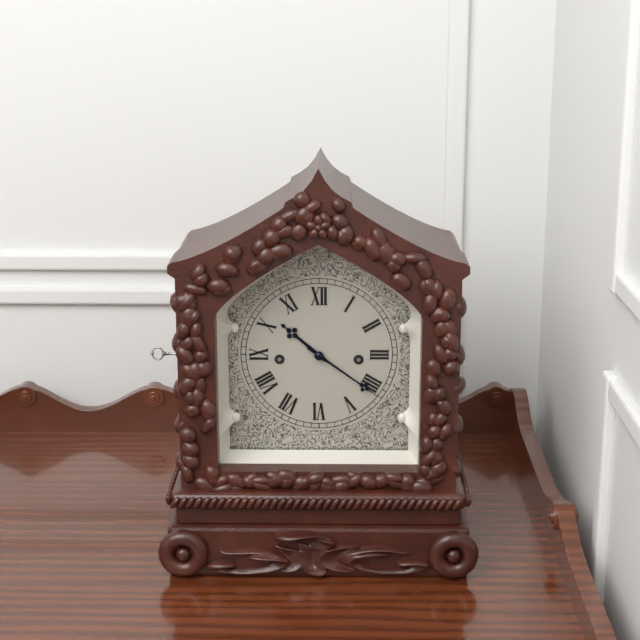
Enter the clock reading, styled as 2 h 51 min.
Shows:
10 h 21 min
